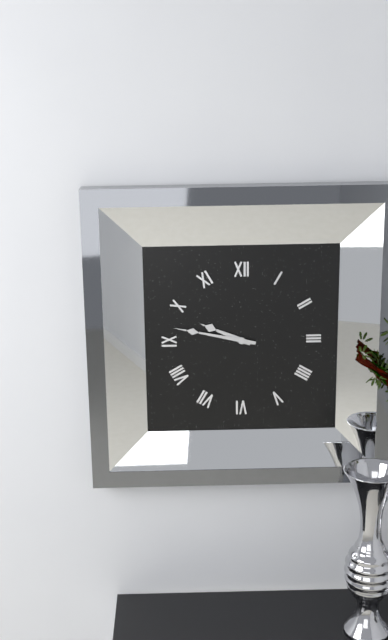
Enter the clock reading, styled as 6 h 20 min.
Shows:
9 h 47 min
